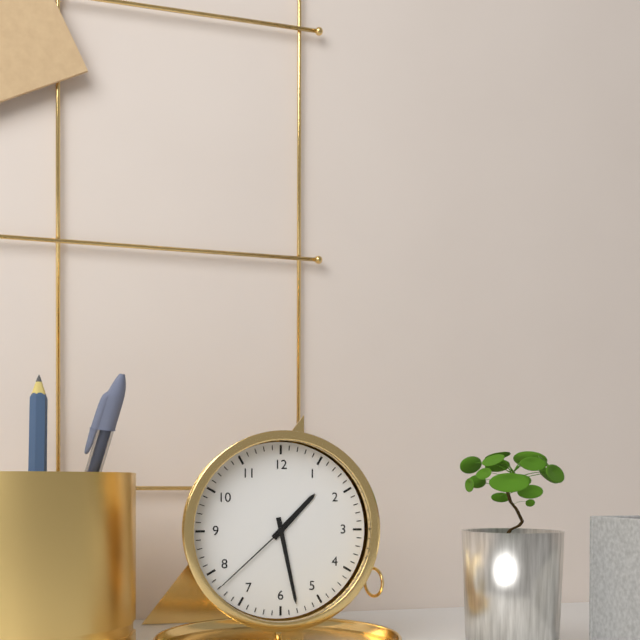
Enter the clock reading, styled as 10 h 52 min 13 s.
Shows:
1 h 28 min 38 s
